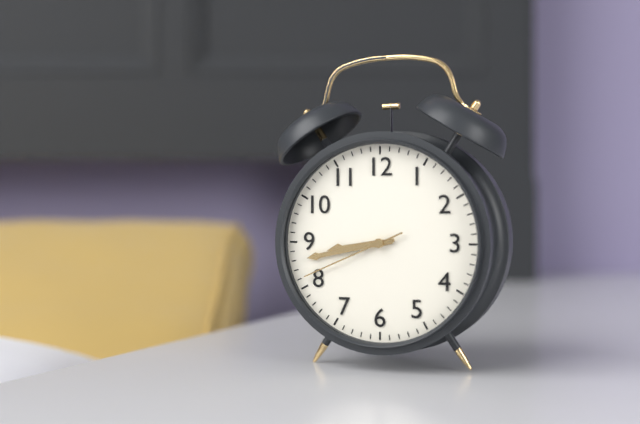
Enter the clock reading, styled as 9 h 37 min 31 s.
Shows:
8 h 43 min 41 s
